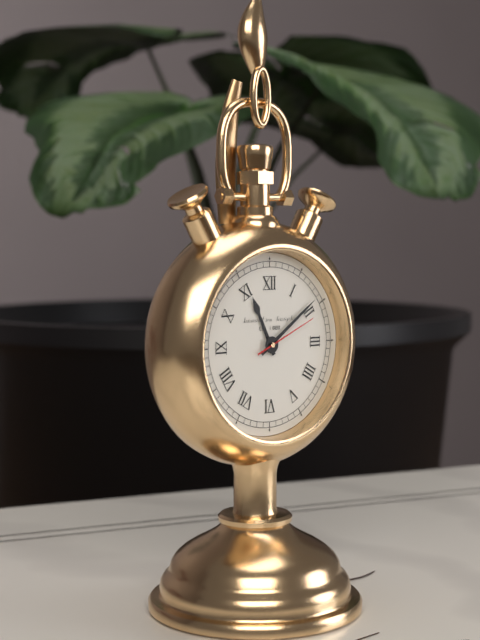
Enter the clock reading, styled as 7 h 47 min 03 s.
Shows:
11 h 09 min 11 s
